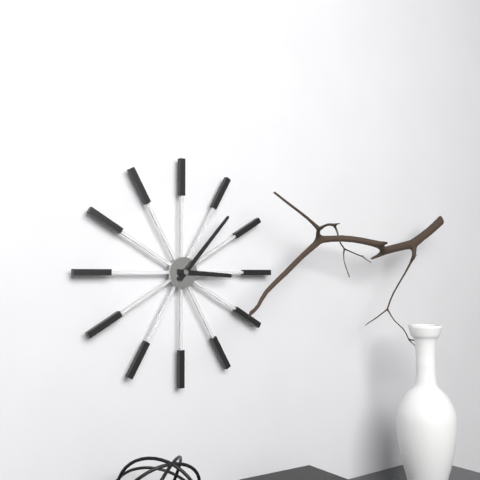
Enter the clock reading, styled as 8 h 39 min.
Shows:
3 h 07 min
